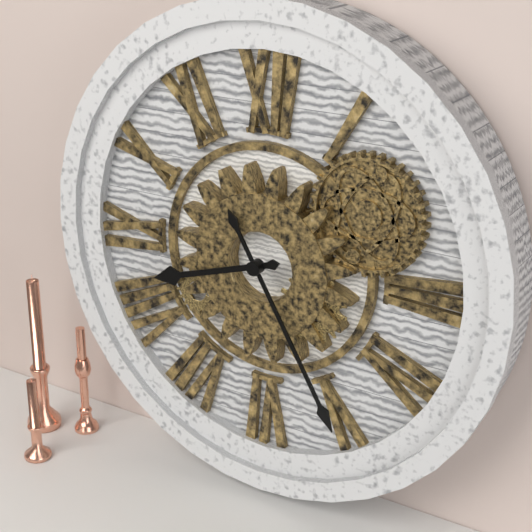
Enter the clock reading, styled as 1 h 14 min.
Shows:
8 h 25 min
